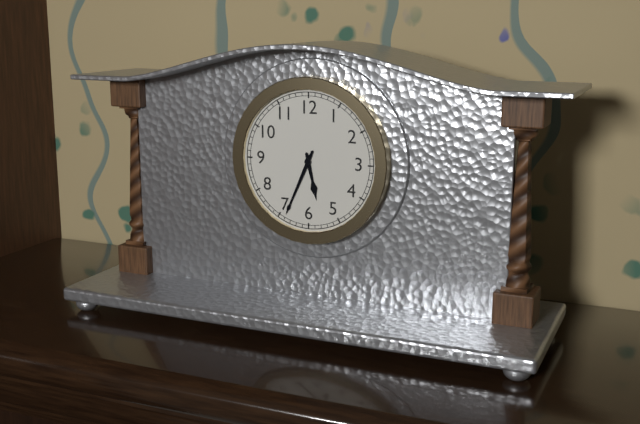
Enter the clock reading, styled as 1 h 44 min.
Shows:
5 h 34 min
